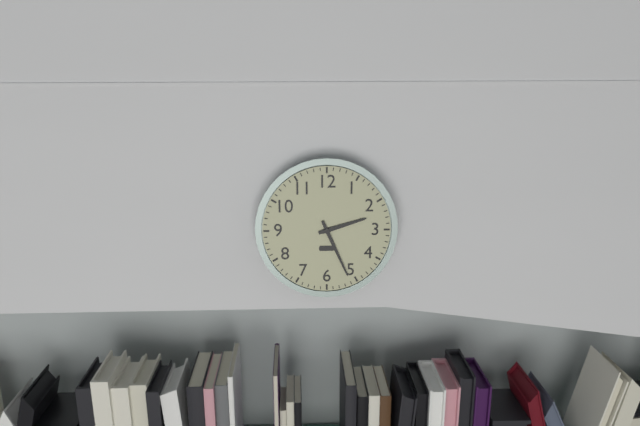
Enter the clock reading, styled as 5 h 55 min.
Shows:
2 h 26 min
